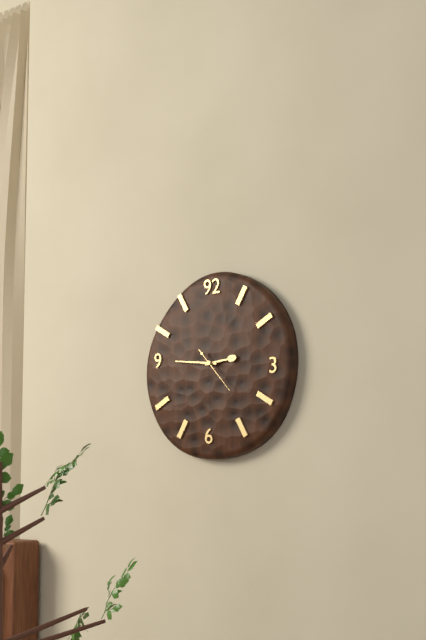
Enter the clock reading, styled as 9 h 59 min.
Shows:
2 h 46 min
